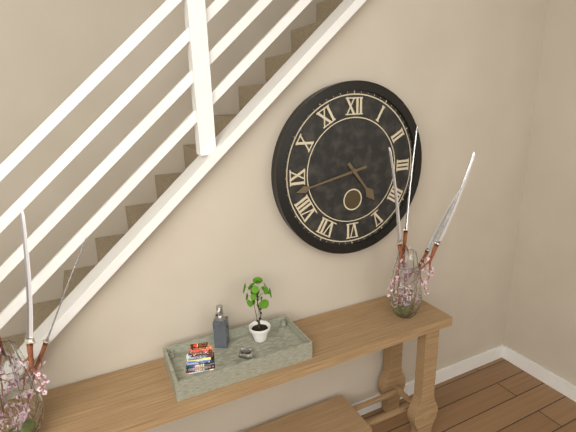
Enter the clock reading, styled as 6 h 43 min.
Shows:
4 h 43 min
